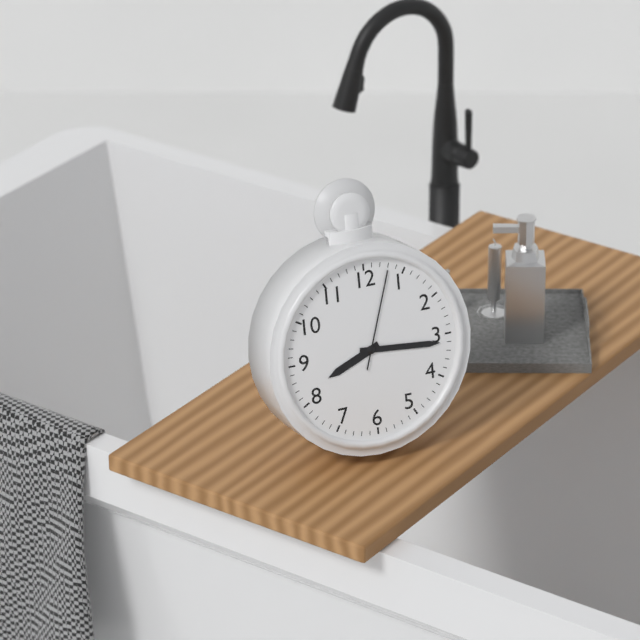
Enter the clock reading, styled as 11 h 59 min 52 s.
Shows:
8 h 16 min 03 s
